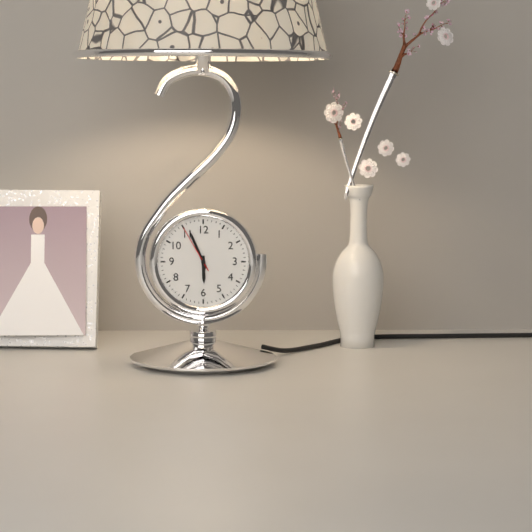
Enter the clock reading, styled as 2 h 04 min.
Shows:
5 h 56 min
